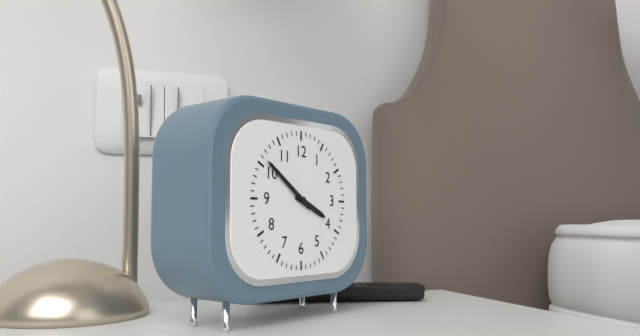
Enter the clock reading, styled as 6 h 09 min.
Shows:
3 h 51 min
